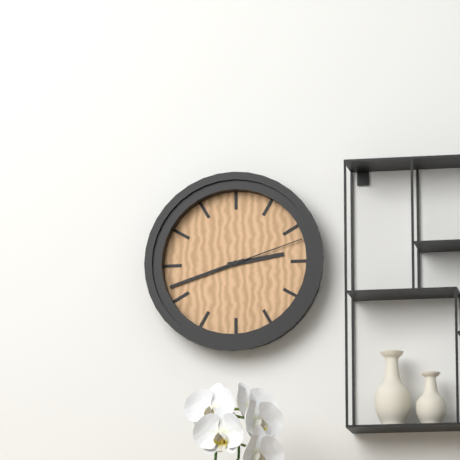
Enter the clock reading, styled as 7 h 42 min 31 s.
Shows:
2 h 42 min 12 s
